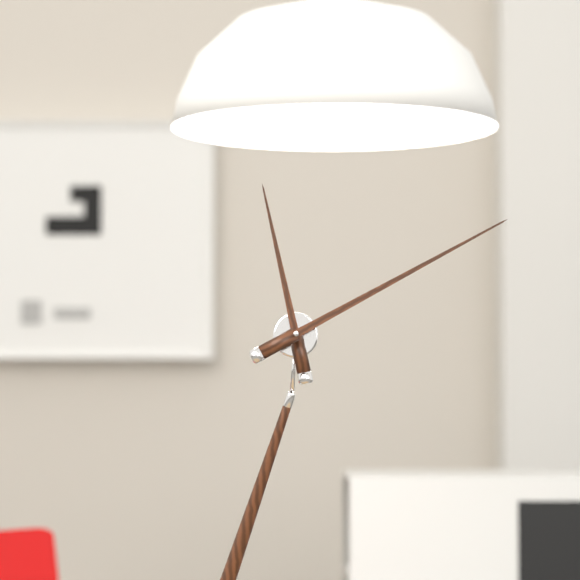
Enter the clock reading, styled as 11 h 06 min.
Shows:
11 h 08 min
